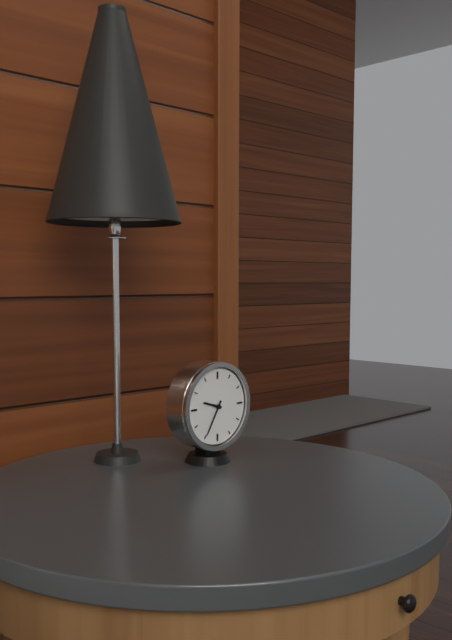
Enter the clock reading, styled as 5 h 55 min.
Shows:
9 h 35 min
